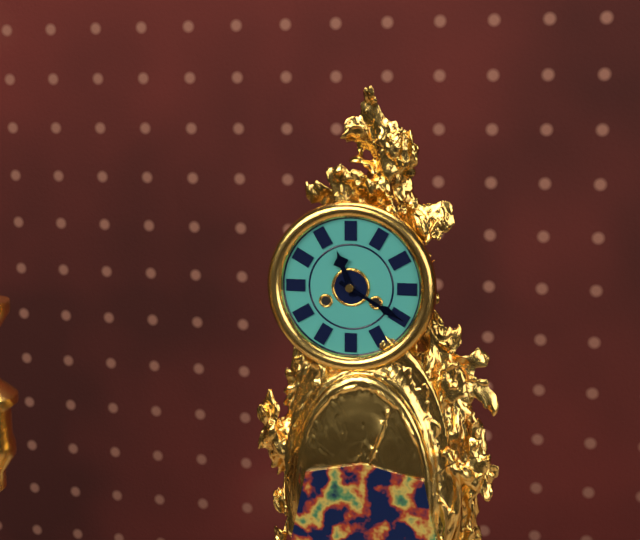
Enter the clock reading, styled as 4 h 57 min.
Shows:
11 h 20 min
